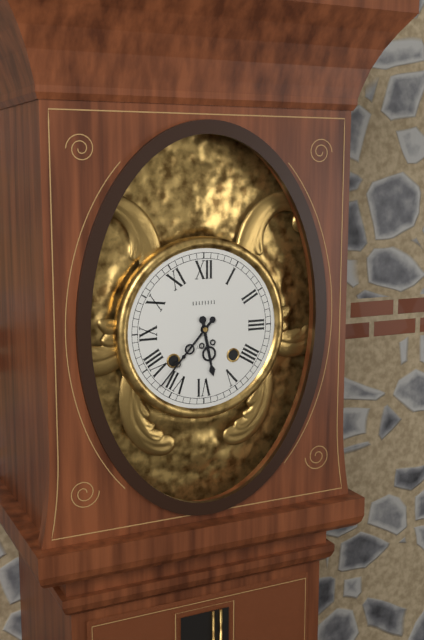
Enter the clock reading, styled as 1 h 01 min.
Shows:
5 h 37 min
